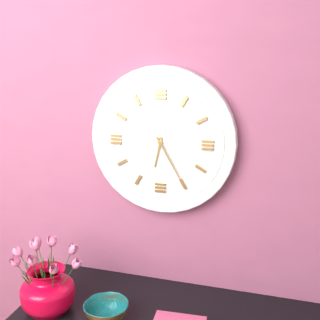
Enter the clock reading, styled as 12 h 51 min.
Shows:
6 h 25 min
